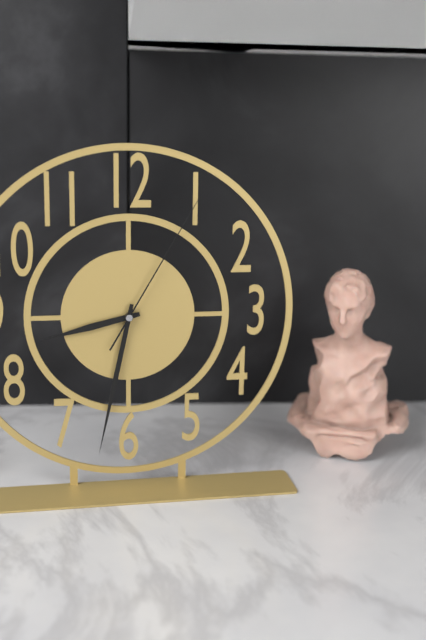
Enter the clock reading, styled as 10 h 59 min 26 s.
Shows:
8 h 32 min 05 s
